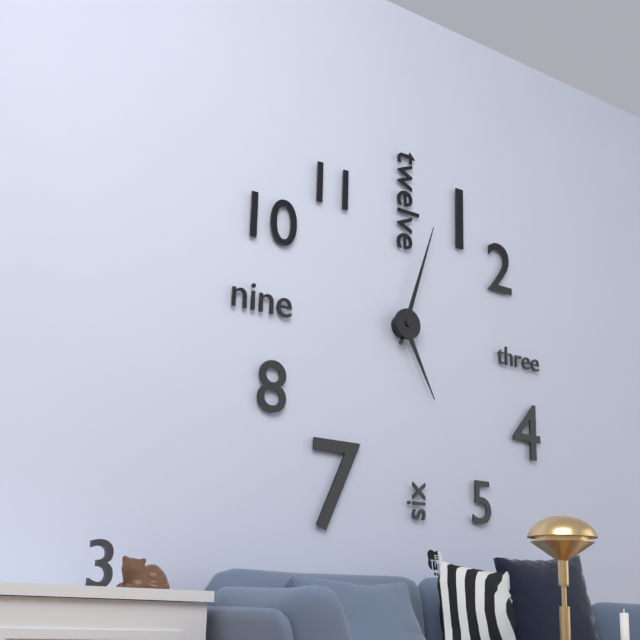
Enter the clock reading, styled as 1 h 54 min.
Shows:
5 h 03 min
